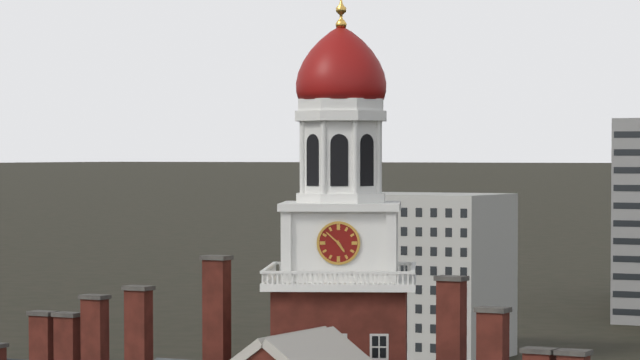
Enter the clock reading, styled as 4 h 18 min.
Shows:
4 h 52 min
